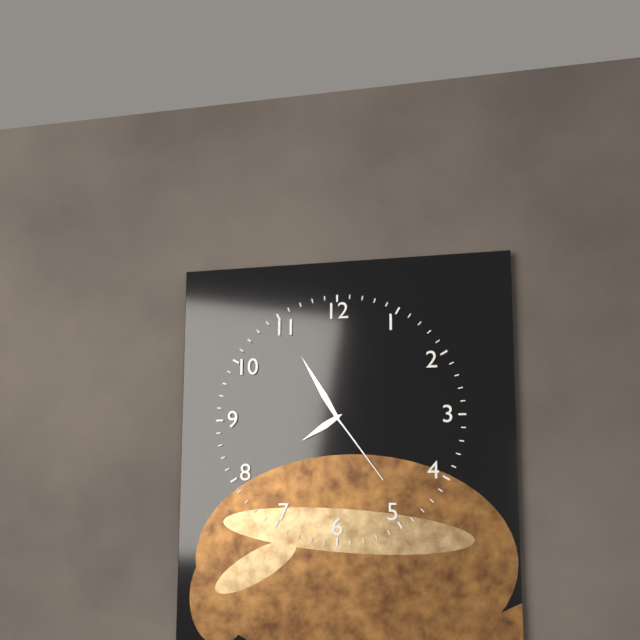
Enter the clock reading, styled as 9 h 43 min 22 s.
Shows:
7 h 55 min 24 s
